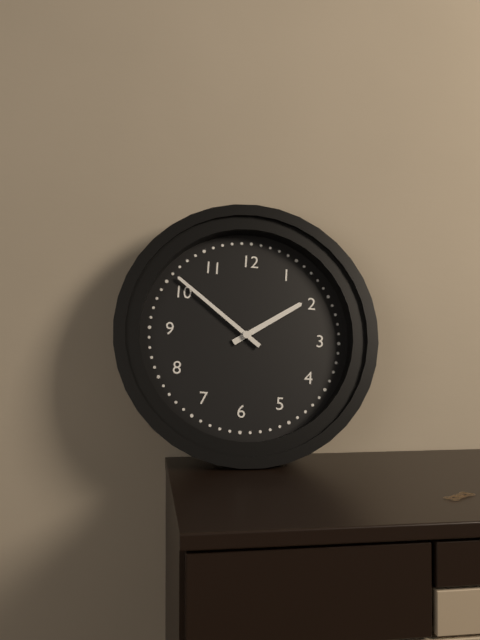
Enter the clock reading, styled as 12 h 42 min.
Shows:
1 h 51 min
